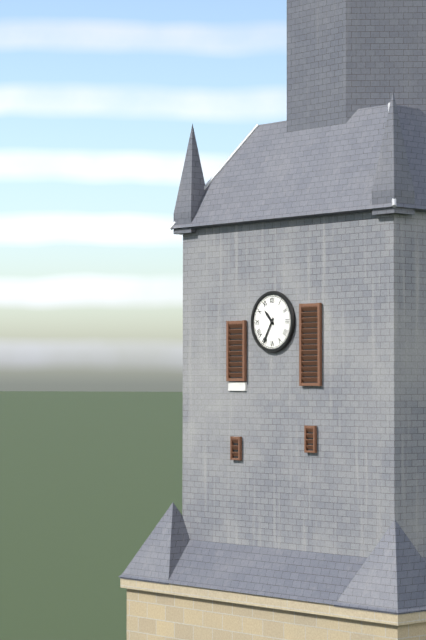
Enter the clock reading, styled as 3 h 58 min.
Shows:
10 h 35 min
